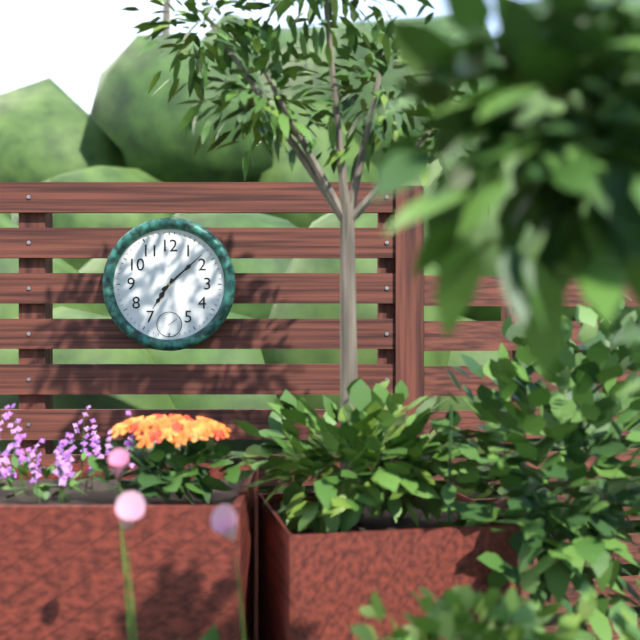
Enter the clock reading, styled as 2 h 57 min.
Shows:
7 h 08 min
